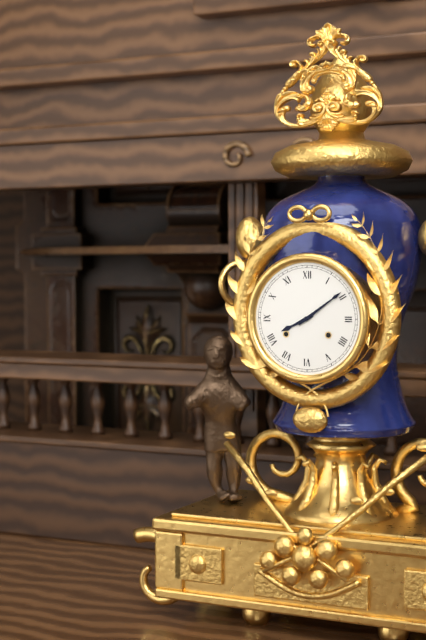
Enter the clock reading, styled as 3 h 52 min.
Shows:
8 h 09 min
